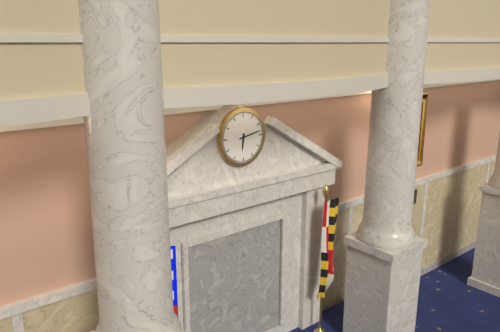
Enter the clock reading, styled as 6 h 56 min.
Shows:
6 h 13 min
